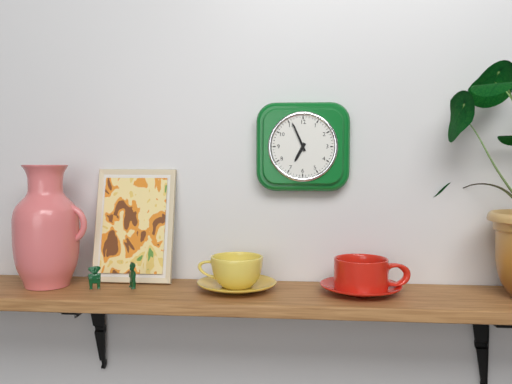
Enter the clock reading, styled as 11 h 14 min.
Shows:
6 h 56 min
